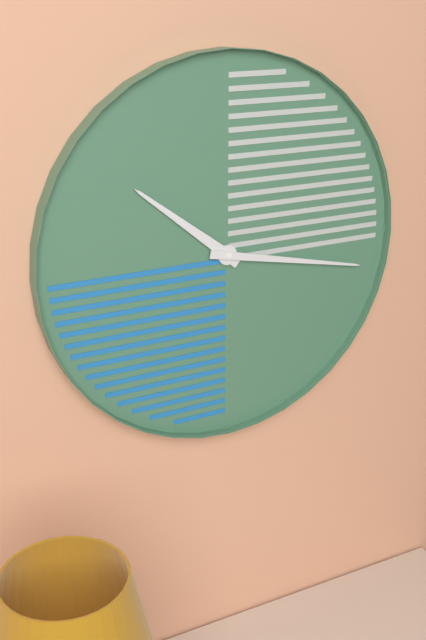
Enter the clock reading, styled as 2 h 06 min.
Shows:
10 h 17 min
